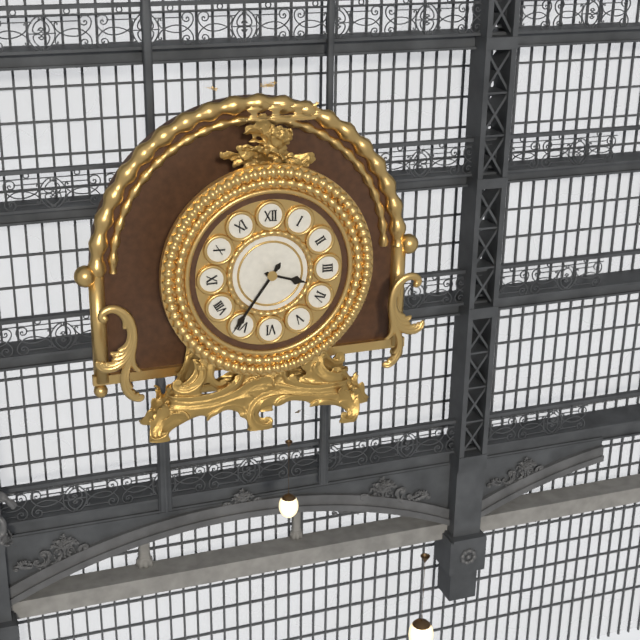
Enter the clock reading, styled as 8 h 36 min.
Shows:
3 h 36 min
